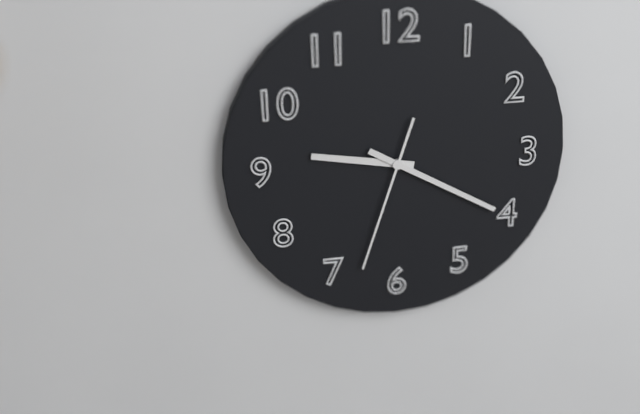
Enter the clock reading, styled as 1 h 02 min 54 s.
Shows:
9 h 20 min 33 s
